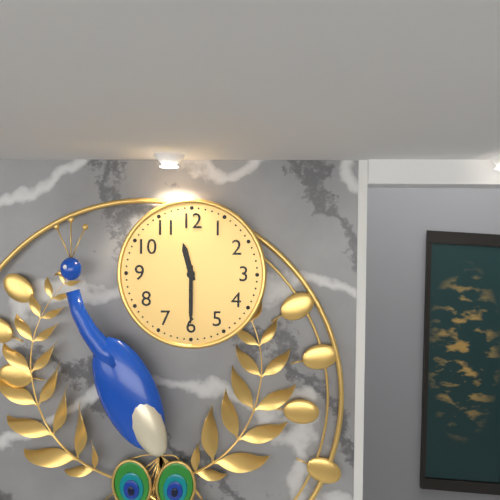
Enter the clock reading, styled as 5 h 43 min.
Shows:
11 h 30 min
